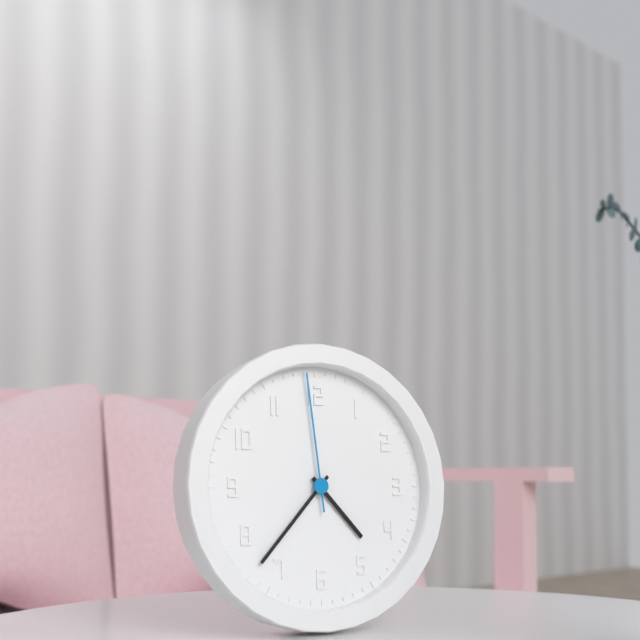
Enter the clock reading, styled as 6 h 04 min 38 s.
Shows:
4 h 37 min 59 s
